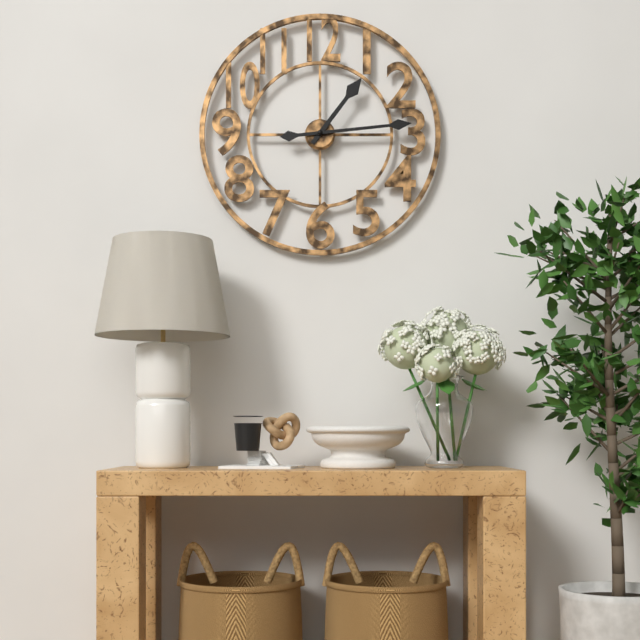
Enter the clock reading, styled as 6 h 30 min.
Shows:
1 h 14 min
